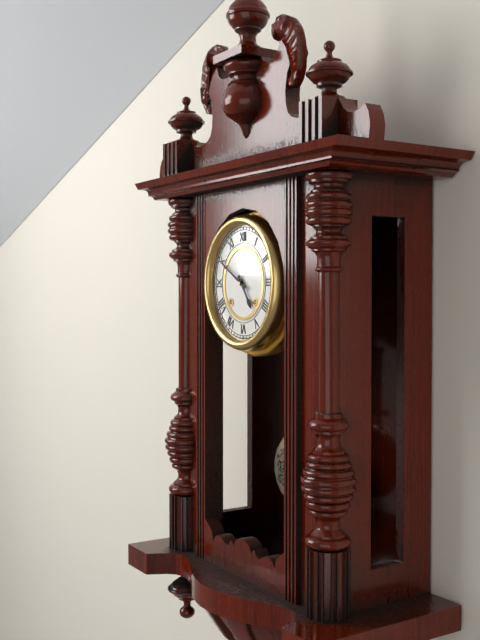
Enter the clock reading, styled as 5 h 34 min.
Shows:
4 h 50 min
